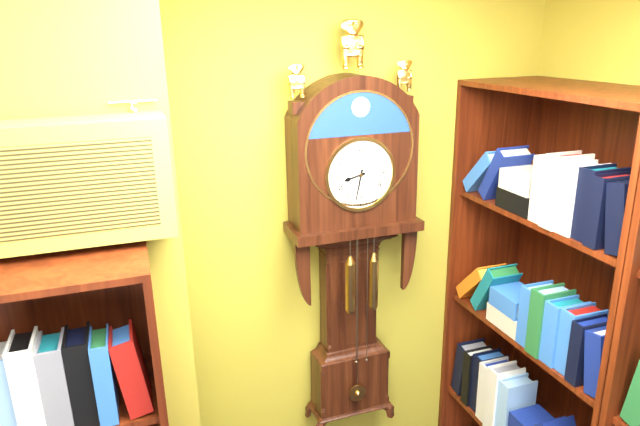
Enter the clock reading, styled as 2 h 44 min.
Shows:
8 h 32 min
